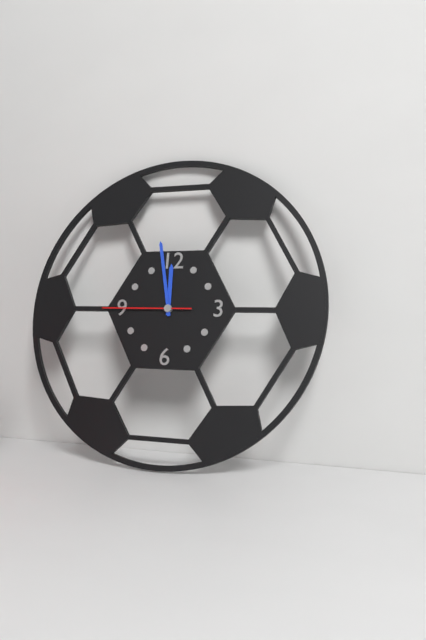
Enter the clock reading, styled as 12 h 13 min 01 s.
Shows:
11 h 58 min 45 s
